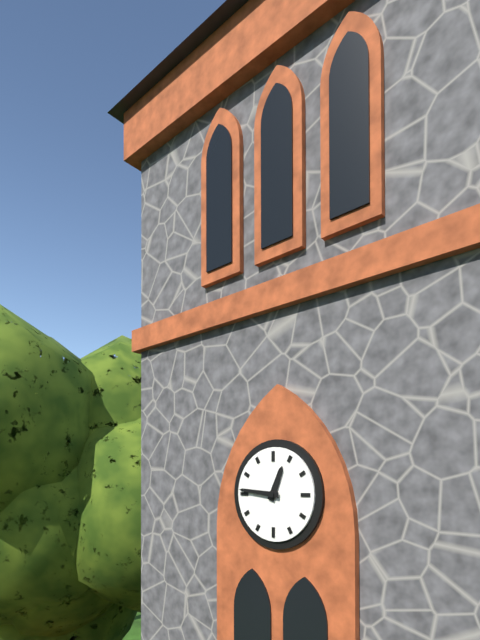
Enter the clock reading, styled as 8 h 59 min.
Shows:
12 h 46 min
